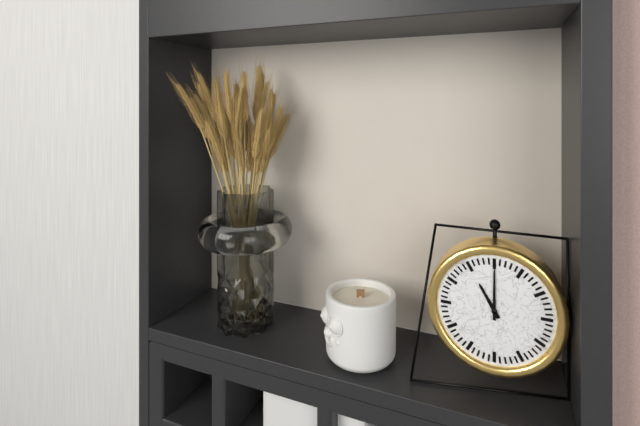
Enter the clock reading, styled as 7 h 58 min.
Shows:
11 h 00 min
